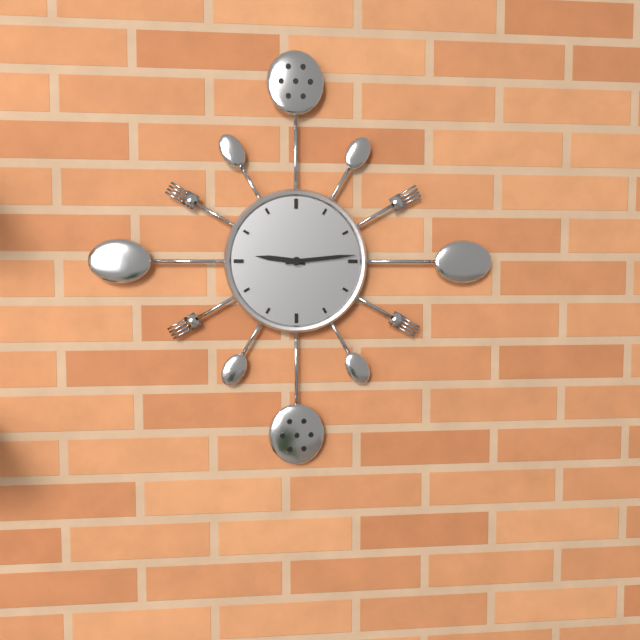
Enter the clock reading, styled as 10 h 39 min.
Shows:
9 h 14 min
